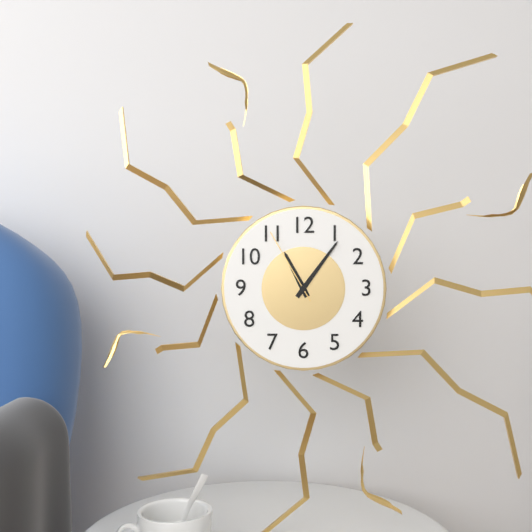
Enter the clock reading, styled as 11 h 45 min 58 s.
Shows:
11 h 06 min 55 s
